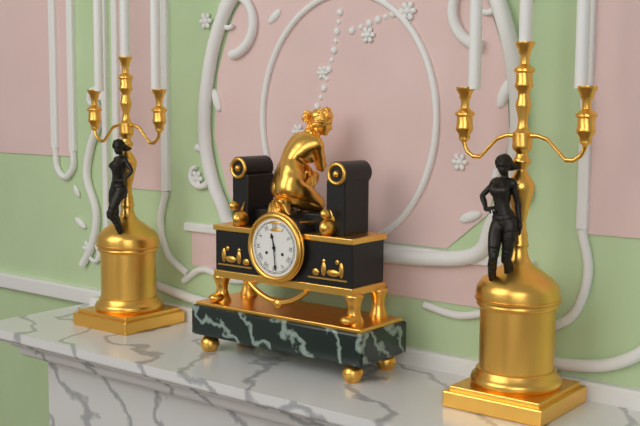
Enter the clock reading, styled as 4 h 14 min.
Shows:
11 h 29 min
